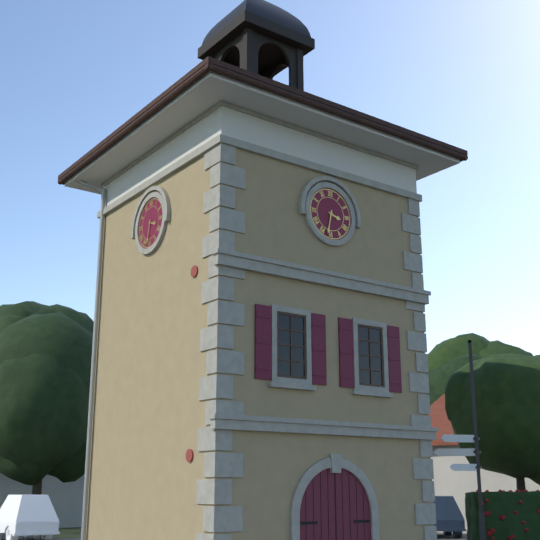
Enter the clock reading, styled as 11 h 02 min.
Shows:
3 h 32 min
